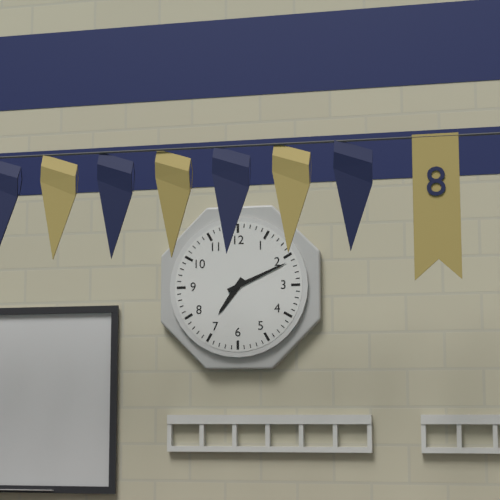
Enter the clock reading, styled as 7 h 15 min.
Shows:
7 h 11 min
